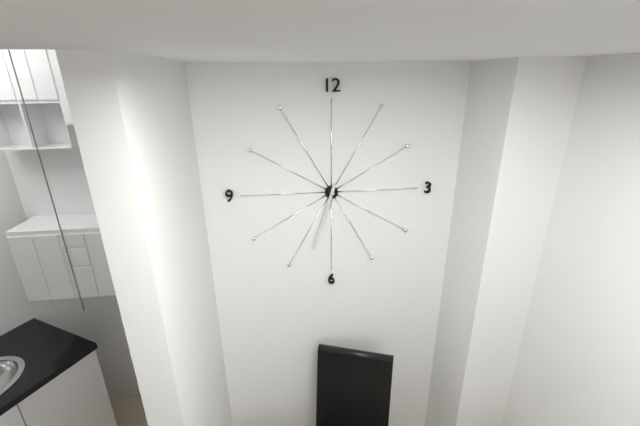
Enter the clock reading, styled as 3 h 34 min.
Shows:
6 h 33 min
